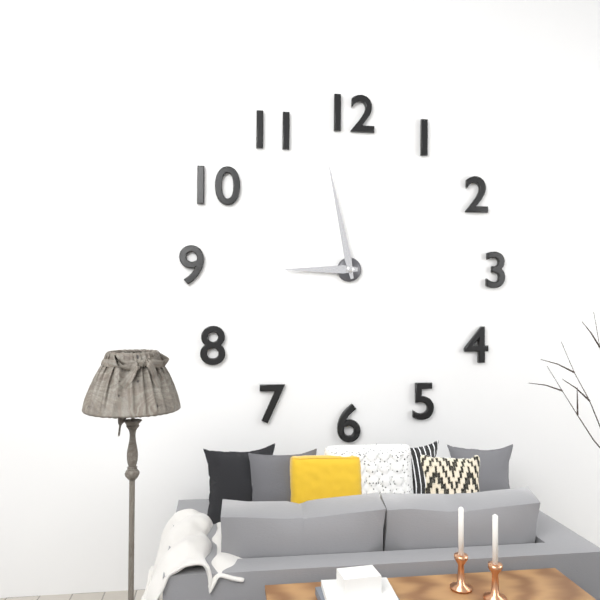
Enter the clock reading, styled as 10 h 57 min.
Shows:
8 h 58 min
